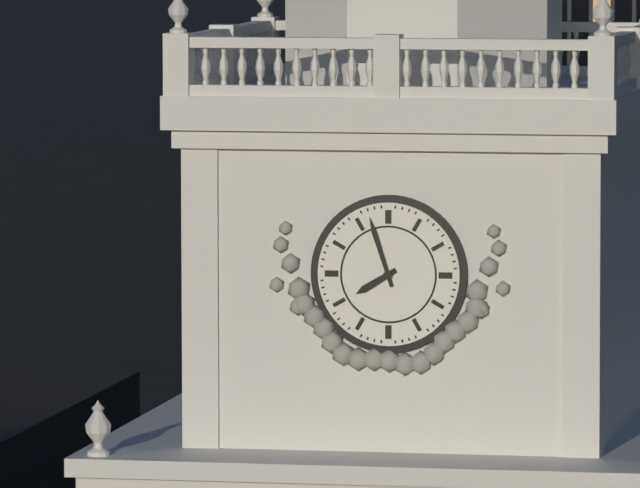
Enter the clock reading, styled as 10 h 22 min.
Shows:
7 h 57 min
